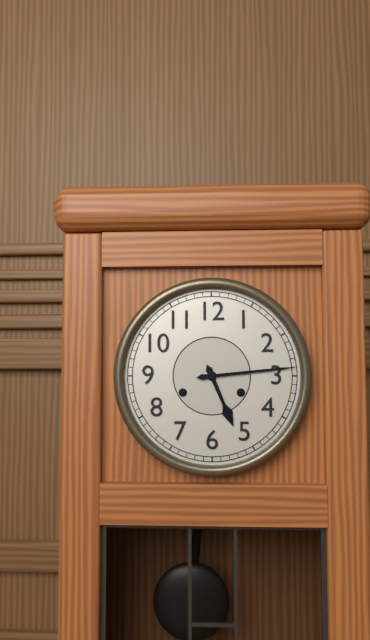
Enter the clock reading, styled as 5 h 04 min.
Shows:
5 h 14 min
